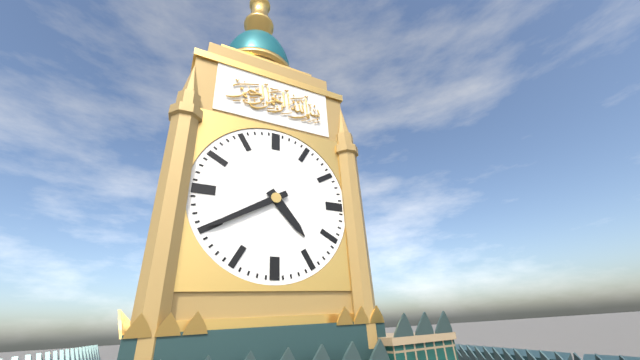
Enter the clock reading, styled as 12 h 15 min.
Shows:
4 h 40 min
